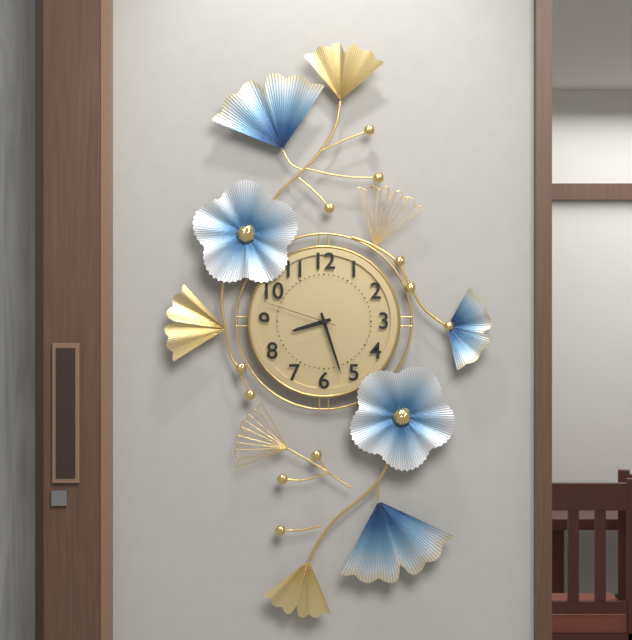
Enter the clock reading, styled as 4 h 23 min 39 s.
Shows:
8 h 27 min 48 s
